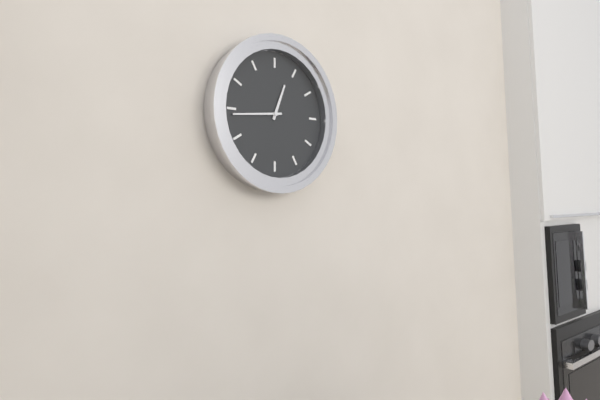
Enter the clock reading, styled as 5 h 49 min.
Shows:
12 h 44 min
